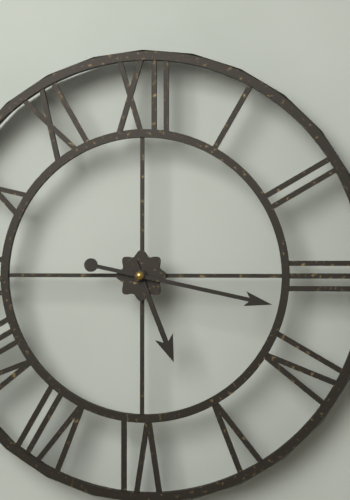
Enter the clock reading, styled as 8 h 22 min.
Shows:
5 h 17 min
